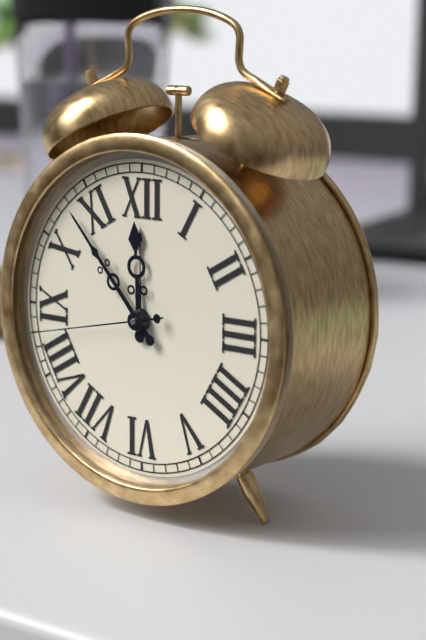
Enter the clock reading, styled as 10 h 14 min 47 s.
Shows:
11 h 53 min 43 s
